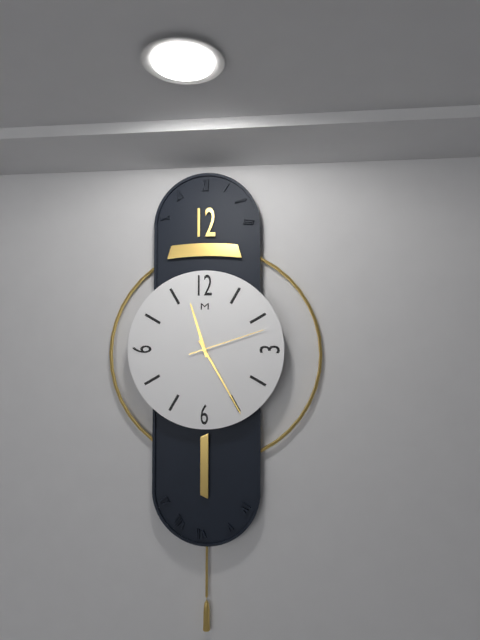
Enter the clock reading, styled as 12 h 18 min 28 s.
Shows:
11 h 25 min 12 s
